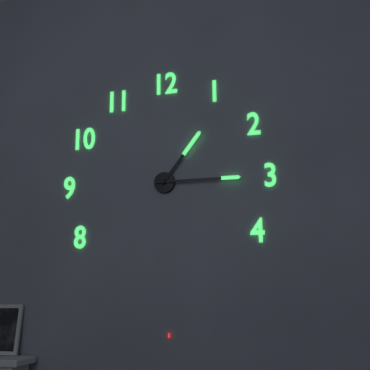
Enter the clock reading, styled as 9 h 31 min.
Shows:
1 h 15 min
